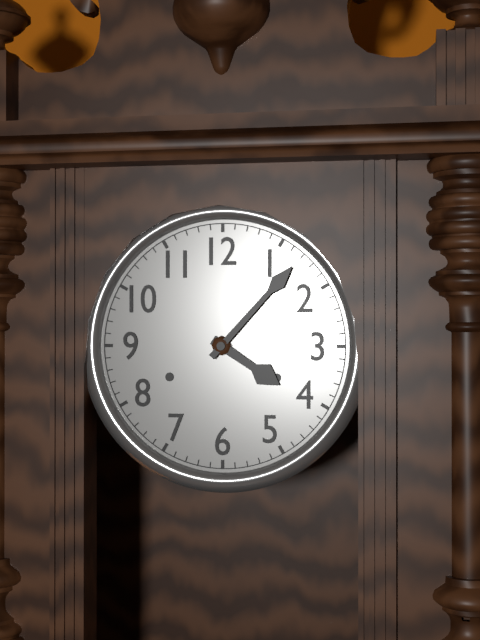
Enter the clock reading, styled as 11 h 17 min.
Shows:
4 h 07 min
